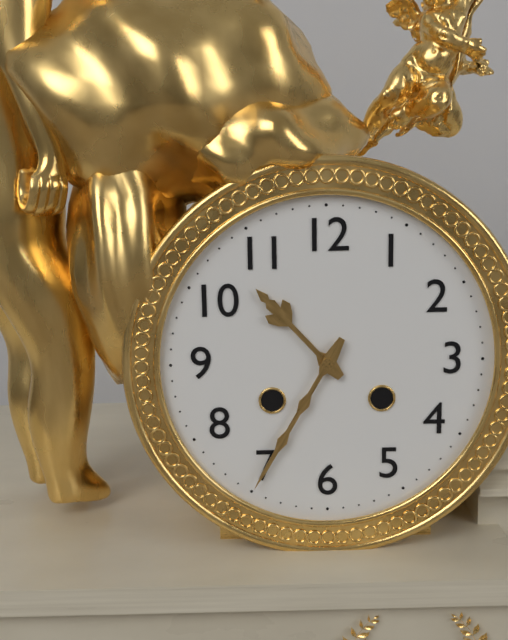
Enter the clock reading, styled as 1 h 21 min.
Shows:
10 h 35 min
